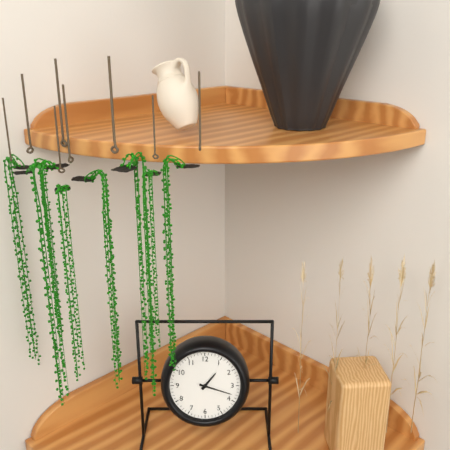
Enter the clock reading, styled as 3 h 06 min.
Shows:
1 h 18 min
